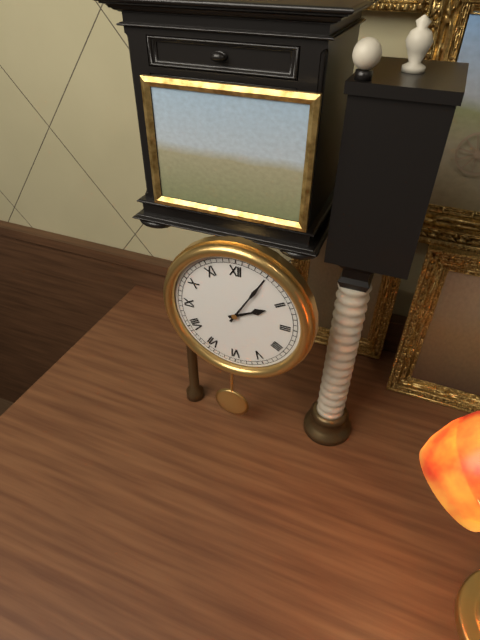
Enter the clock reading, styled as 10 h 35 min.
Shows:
2 h 05 min
